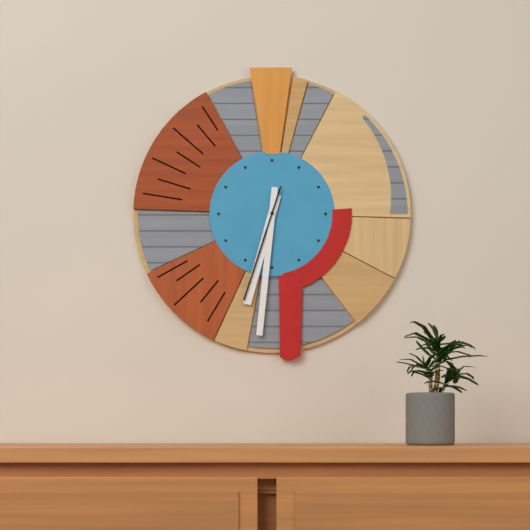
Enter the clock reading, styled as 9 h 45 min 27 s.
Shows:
6 h 31 min 33 s
